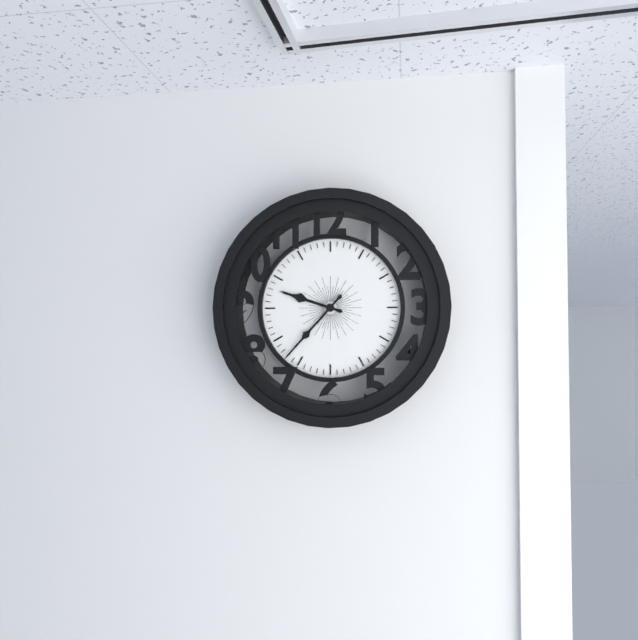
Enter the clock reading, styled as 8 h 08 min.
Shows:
9 h 37 min
